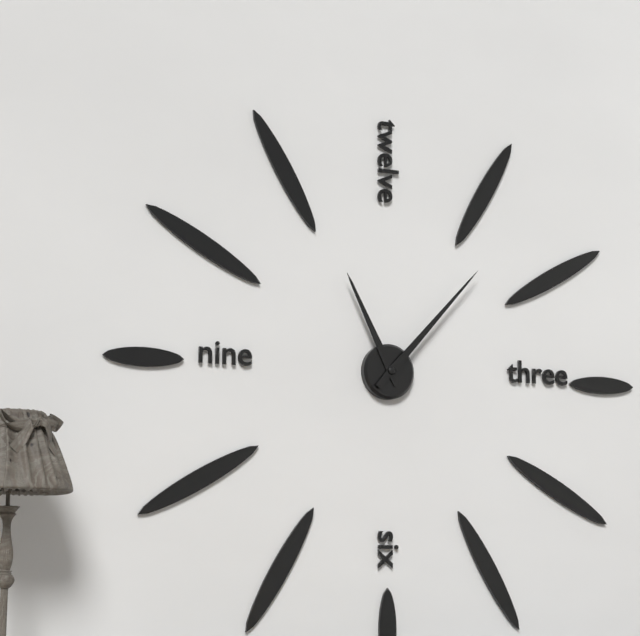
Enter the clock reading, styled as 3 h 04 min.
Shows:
11 h 07 min
